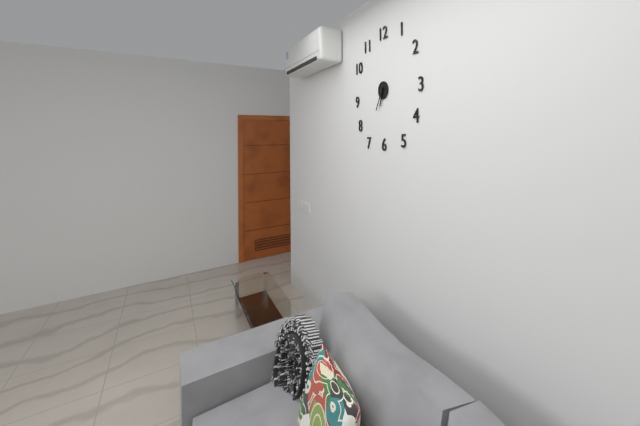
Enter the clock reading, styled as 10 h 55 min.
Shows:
6 h 35 min
